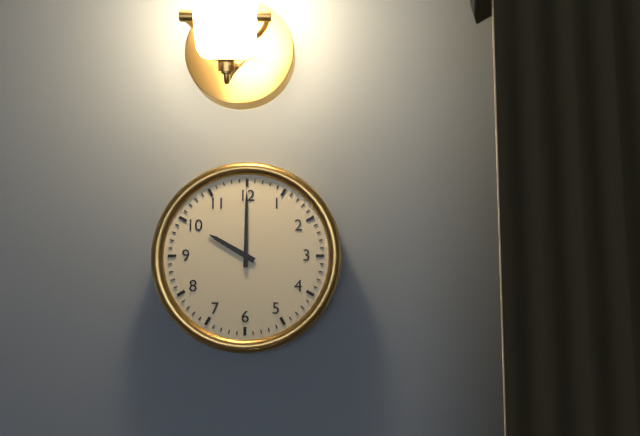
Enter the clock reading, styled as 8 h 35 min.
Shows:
10 h 00 min
